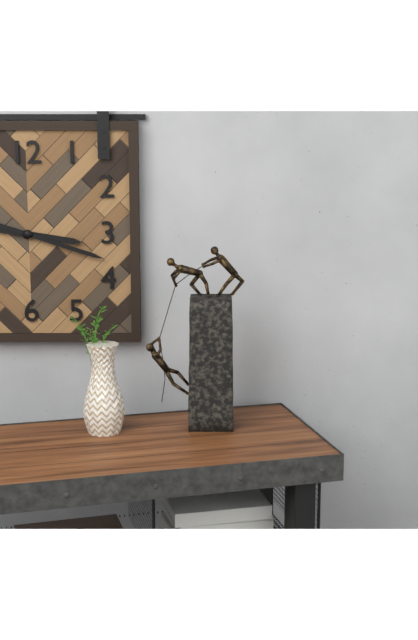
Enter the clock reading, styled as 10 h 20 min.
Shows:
3 h 18 min
